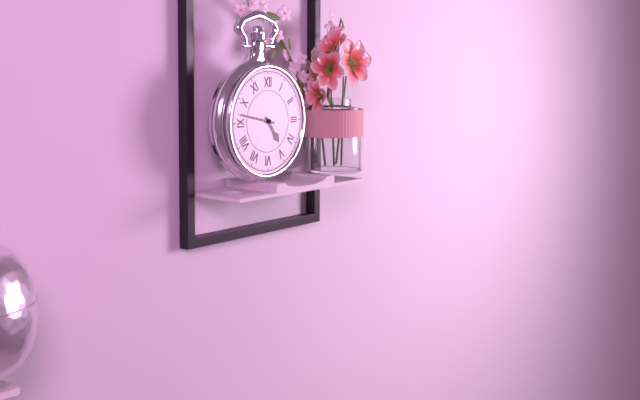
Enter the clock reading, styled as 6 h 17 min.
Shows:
4 h 47 min
